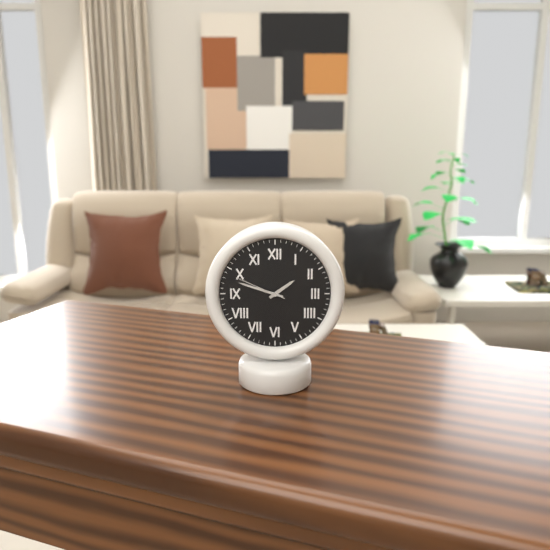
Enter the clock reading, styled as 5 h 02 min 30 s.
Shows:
1 h 48 min 49 s
